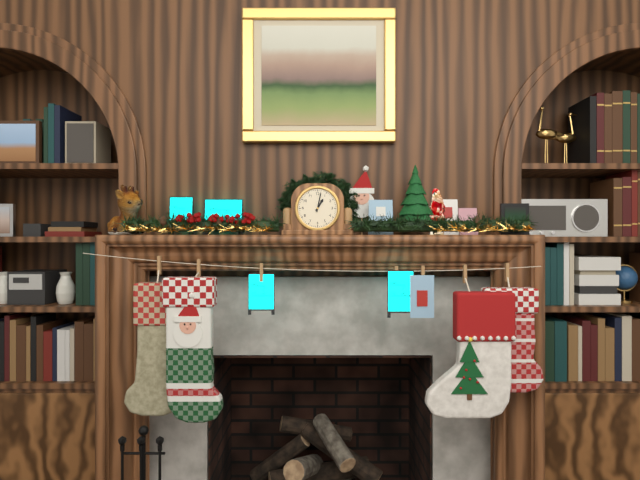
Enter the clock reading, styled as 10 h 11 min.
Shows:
1 h 02 min
